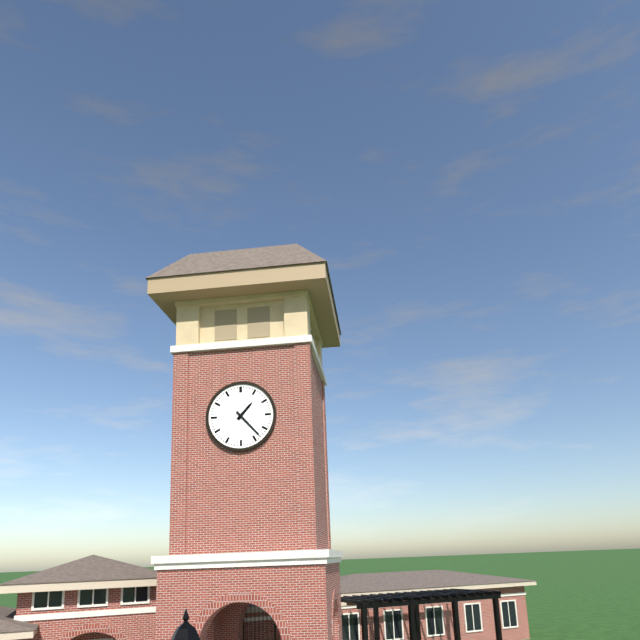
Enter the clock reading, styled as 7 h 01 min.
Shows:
1 h 23 min
